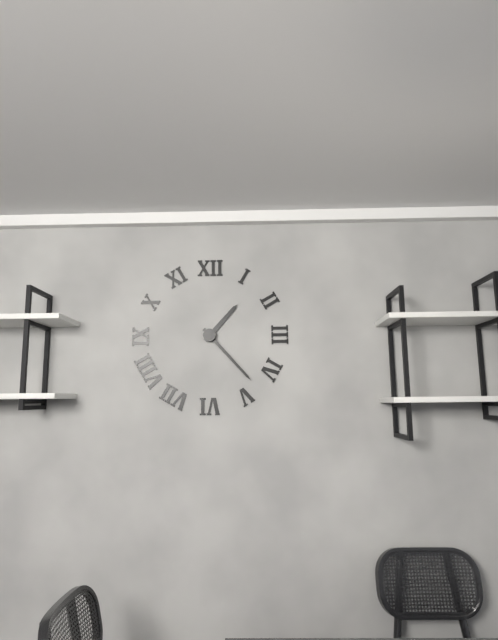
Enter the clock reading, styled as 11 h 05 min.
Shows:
1 h 23 min
